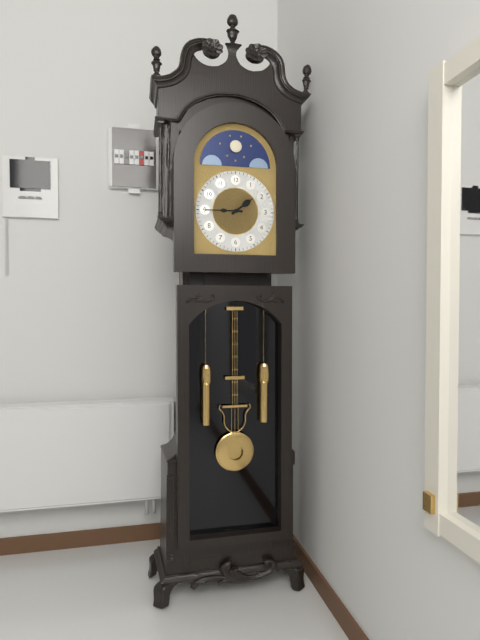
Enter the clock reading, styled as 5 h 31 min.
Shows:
1 h 45 min
